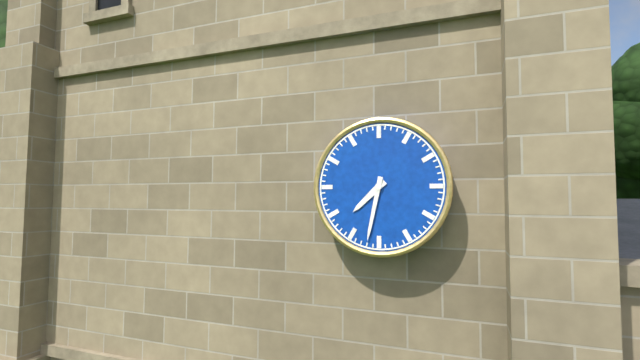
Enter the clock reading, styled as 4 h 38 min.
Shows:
7 h 32 min
